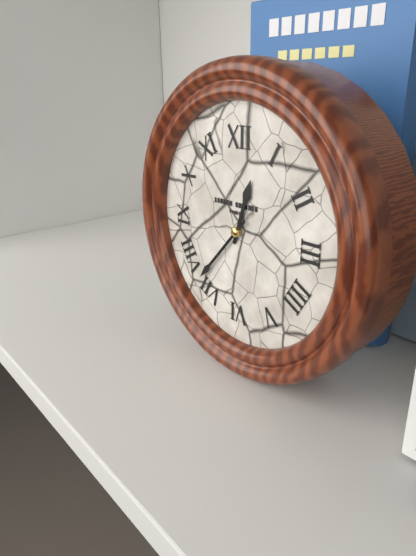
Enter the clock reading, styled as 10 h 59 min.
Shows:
12 h 37 min
